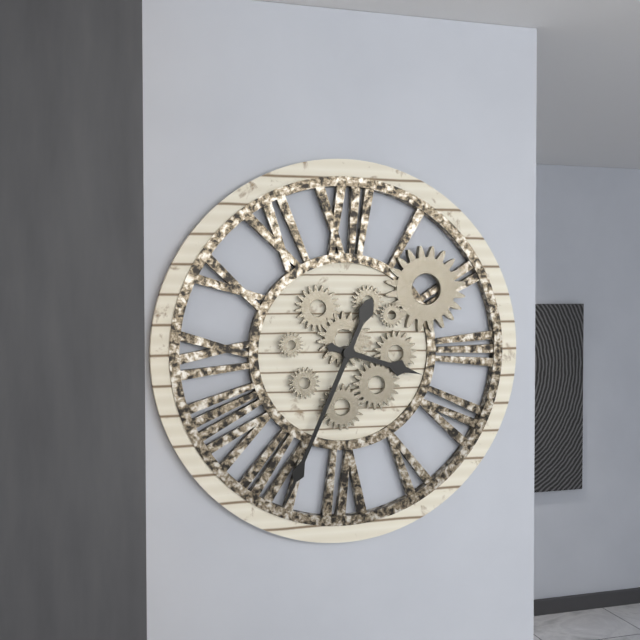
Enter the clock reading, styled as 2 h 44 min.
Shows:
3 h 34 min
